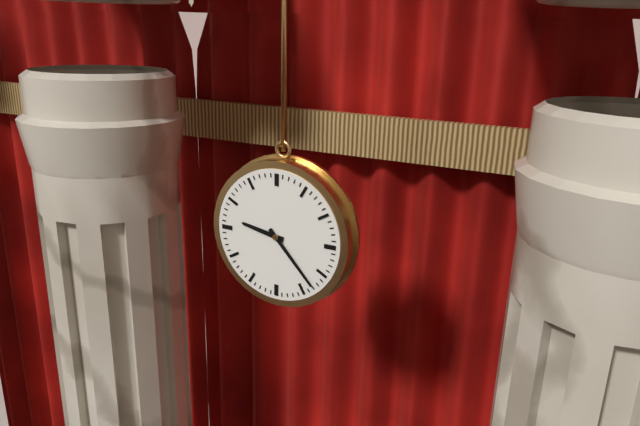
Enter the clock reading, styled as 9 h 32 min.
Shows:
9 h 23 min
